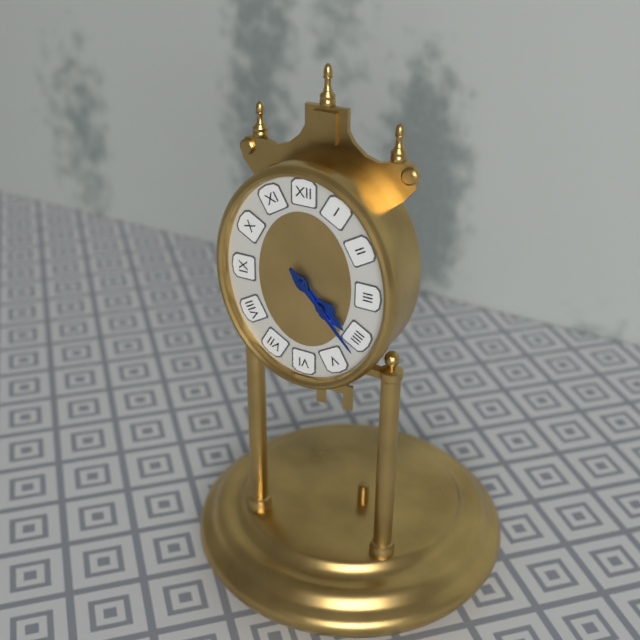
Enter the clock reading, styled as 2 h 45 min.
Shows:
4 h 23 min
